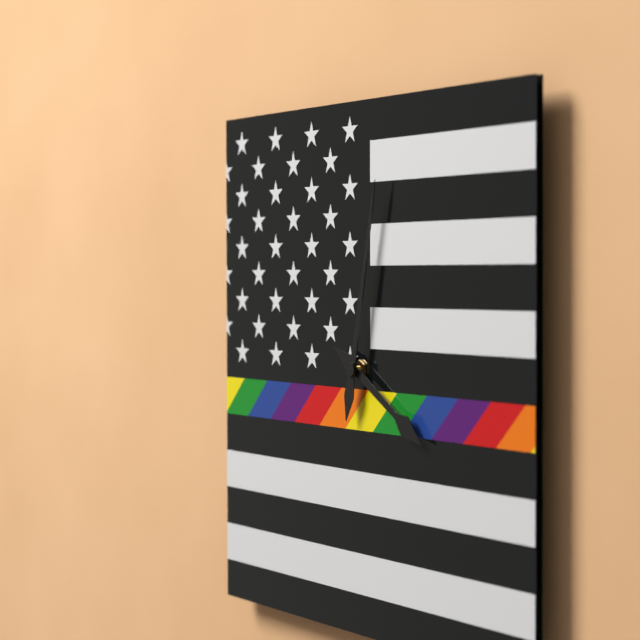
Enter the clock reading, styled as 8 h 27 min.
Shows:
4 h 02 min
